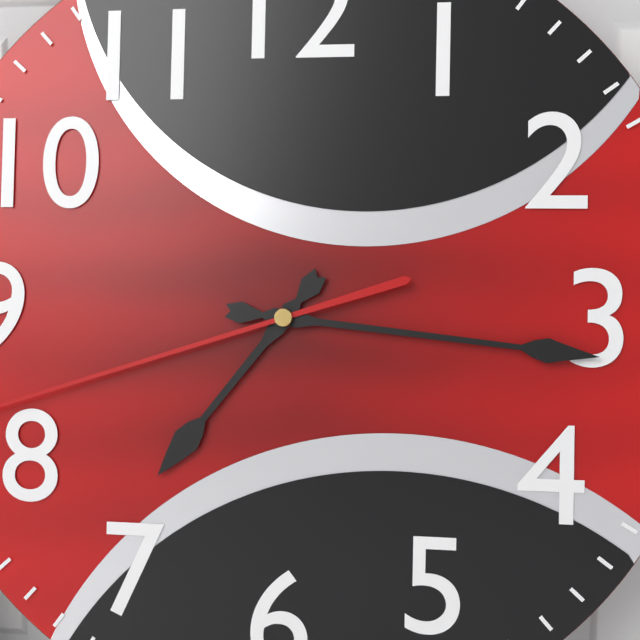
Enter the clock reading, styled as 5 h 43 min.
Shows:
7 h 16 min
